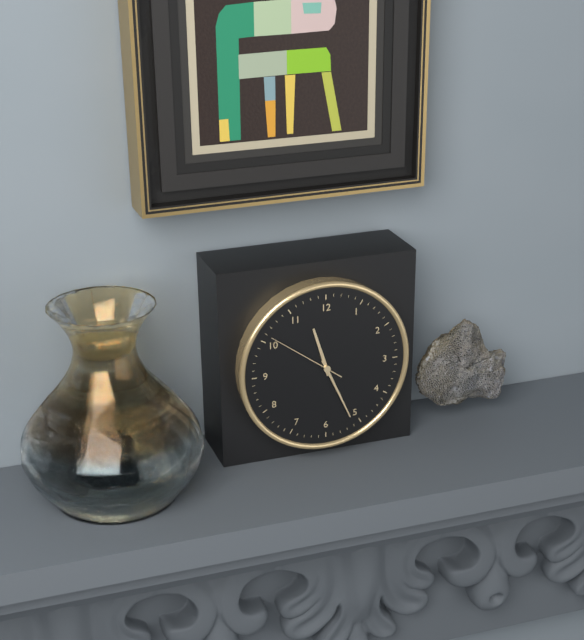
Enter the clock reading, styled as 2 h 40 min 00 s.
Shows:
11 h 26 min 51 s
